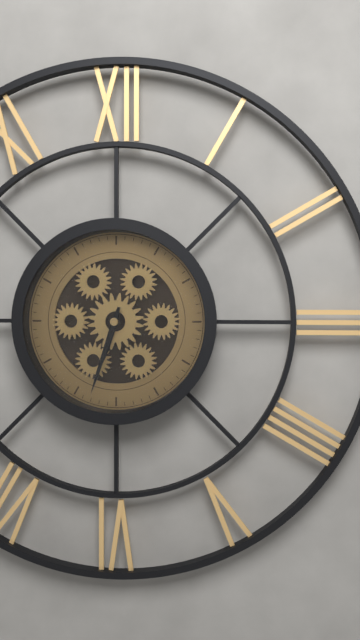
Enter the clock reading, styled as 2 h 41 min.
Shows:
6 h 33 min
